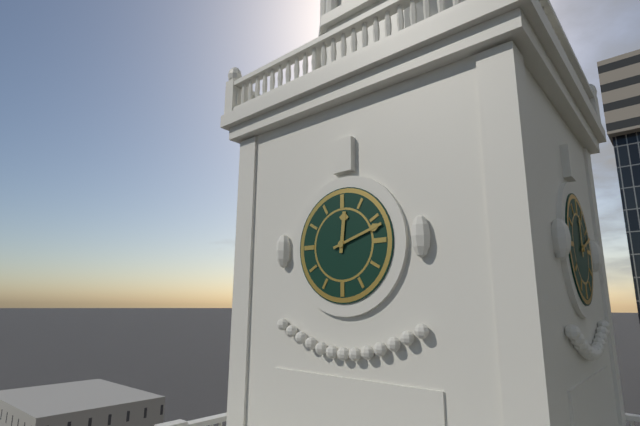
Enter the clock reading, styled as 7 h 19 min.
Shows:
12 h 12 min
